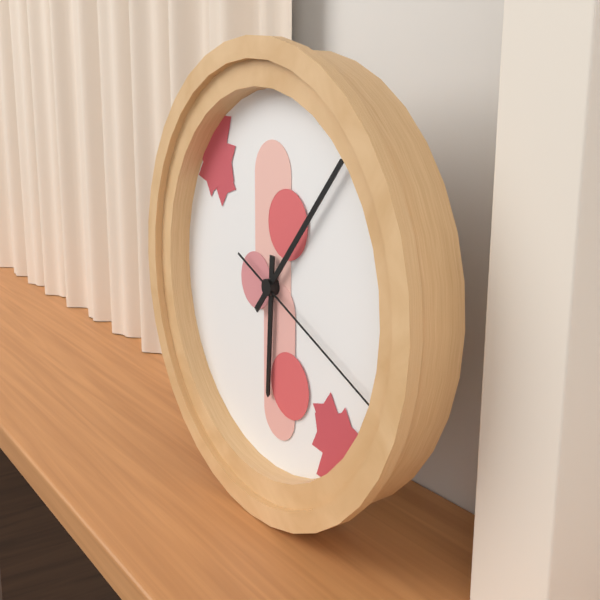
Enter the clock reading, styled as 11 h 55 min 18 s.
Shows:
6 h 07 min 19 s
